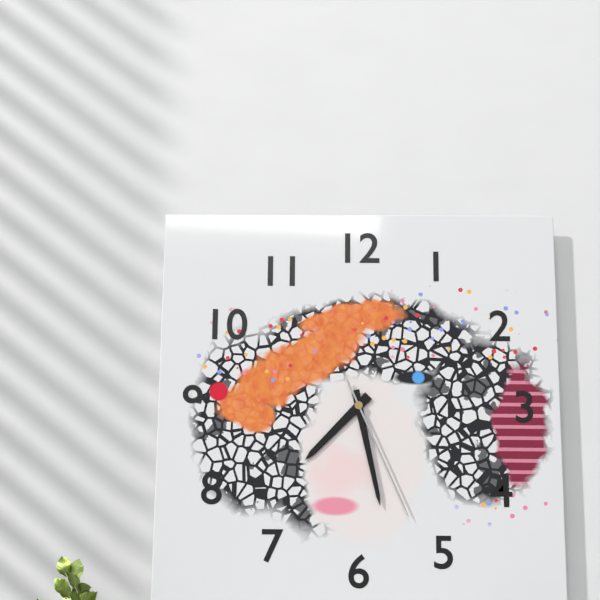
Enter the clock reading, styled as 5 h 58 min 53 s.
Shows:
7 h 28 min 26 s
